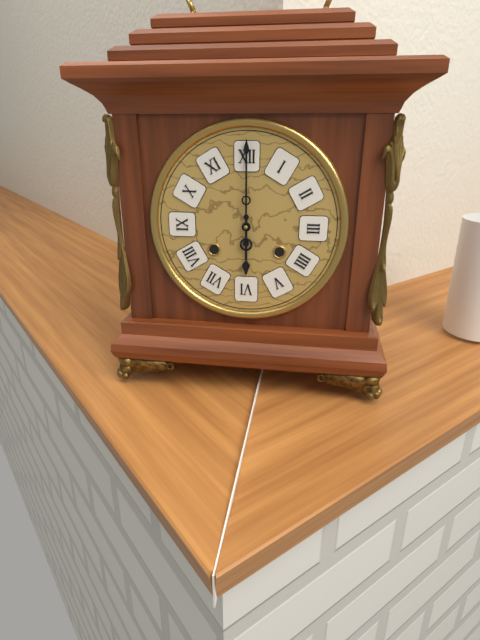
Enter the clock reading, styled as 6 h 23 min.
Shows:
6 h 00 min
